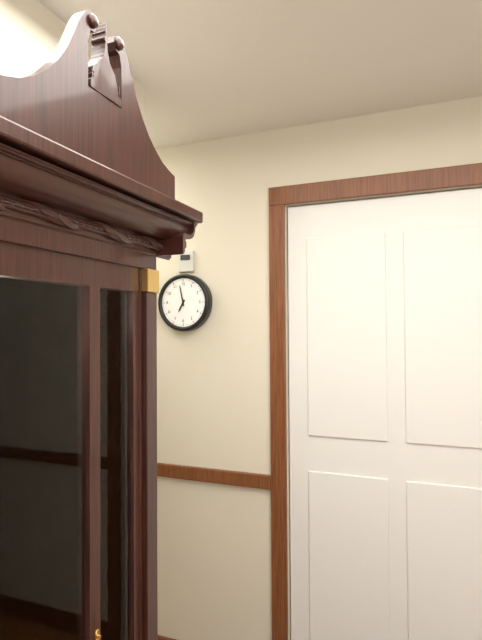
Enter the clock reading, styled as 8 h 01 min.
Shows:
6 h 58 min
